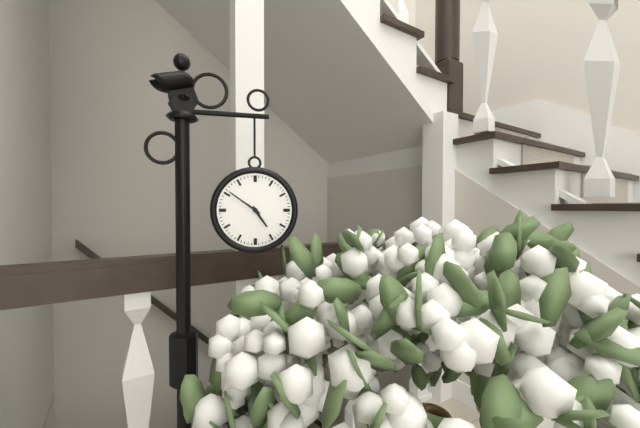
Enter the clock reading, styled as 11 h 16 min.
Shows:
4 h 51 min
